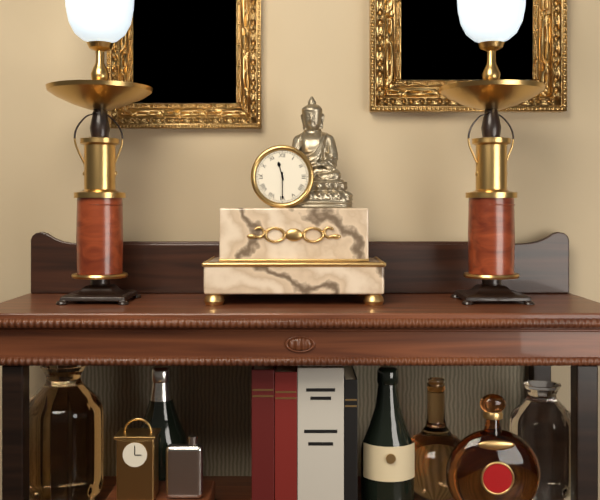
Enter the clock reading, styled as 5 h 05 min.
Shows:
11 h 30 min
